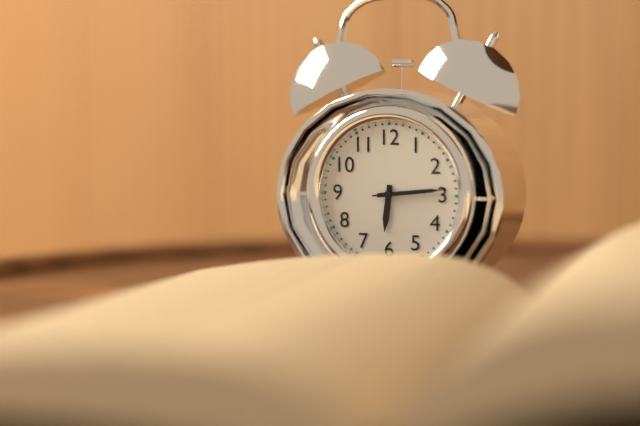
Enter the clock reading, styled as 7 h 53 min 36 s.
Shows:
6 h 14 min 14 s
